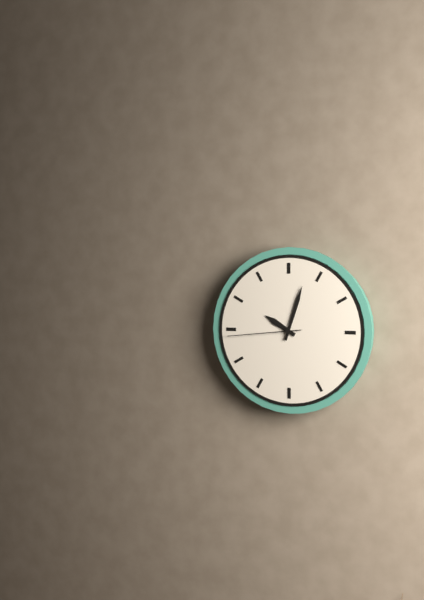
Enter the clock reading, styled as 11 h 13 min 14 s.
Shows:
10 h 03 min 44 s
